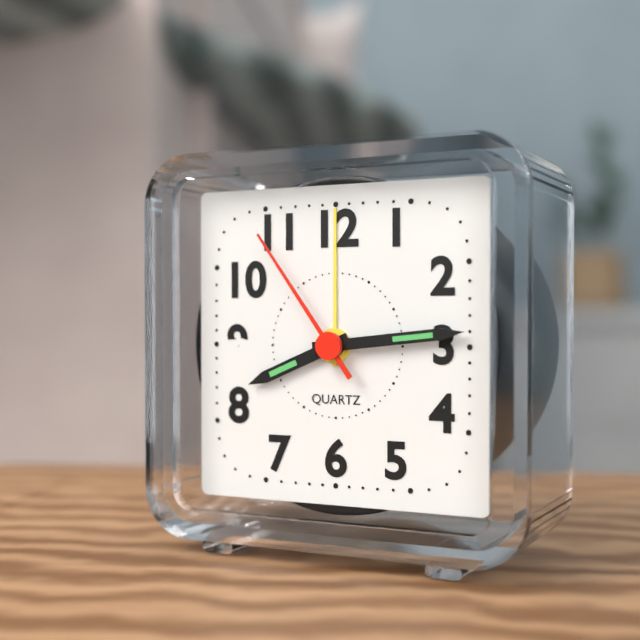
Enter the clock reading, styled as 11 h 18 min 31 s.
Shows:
8 h 14 min 54 s
